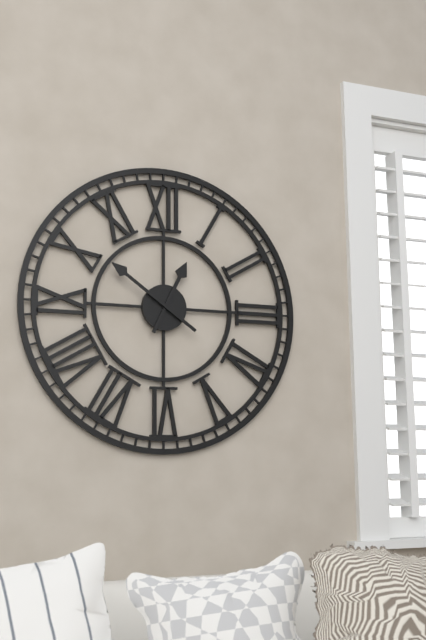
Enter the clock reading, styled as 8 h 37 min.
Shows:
12 h 51 min
